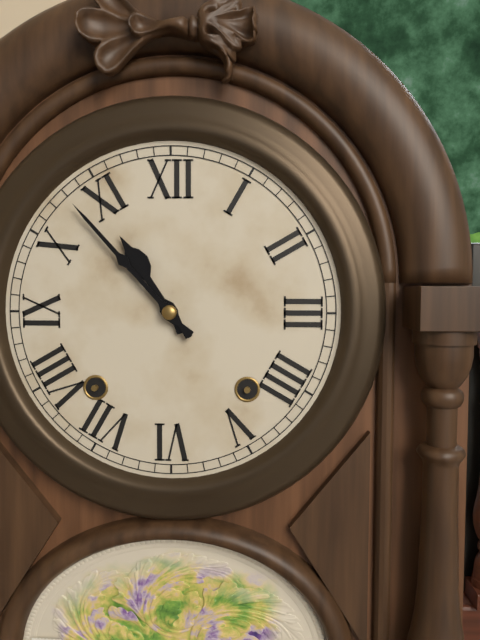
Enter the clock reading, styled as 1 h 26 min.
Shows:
10 h 53 min
